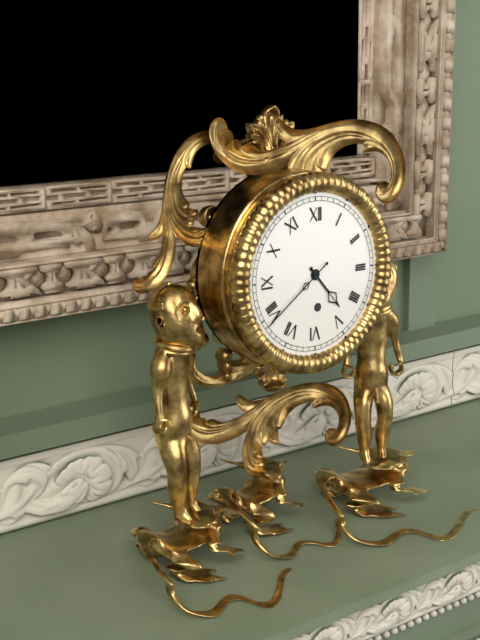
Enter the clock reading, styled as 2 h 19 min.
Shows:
4 h 39 min
